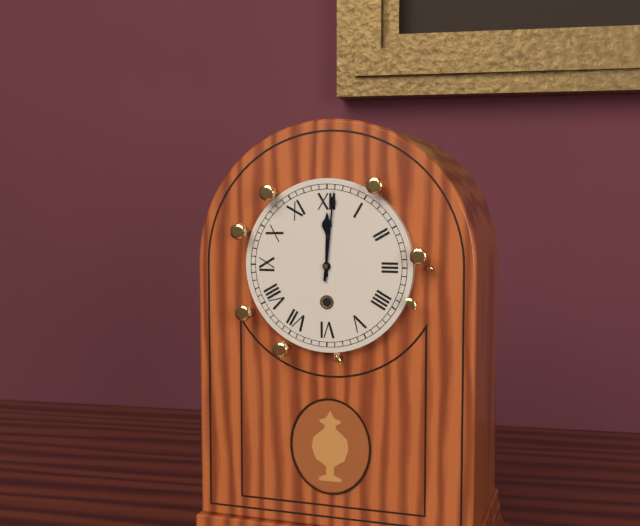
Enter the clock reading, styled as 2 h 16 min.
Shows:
12 h 01 min
